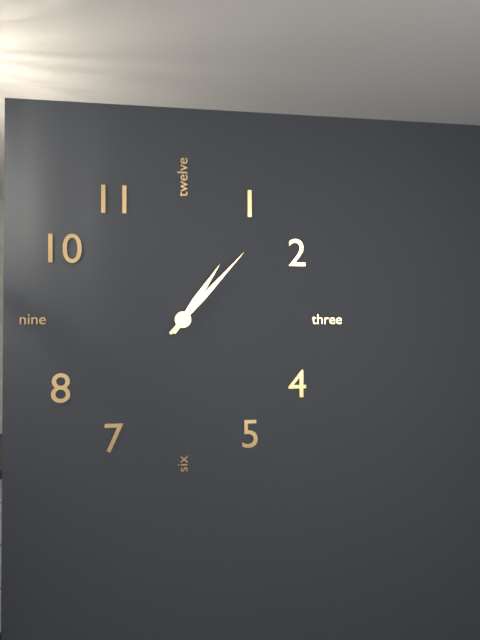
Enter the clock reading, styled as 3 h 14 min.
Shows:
1 h 07 min
